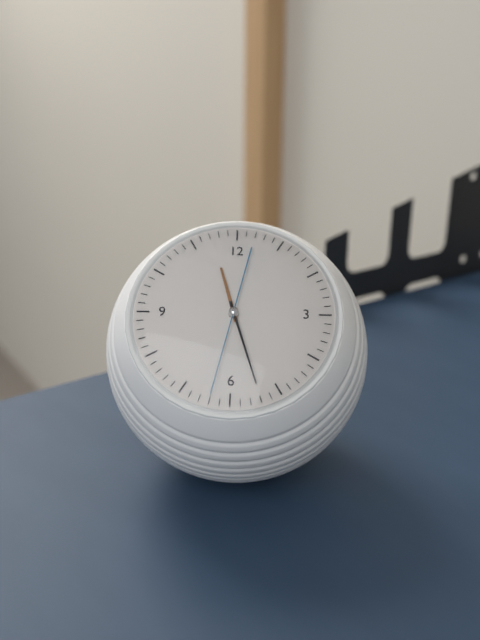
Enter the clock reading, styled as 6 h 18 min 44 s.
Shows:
11 h 27 min 32 s
